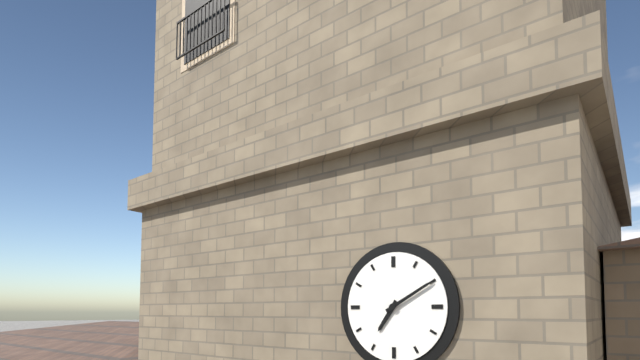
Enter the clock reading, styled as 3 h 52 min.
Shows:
7 h 10 min
